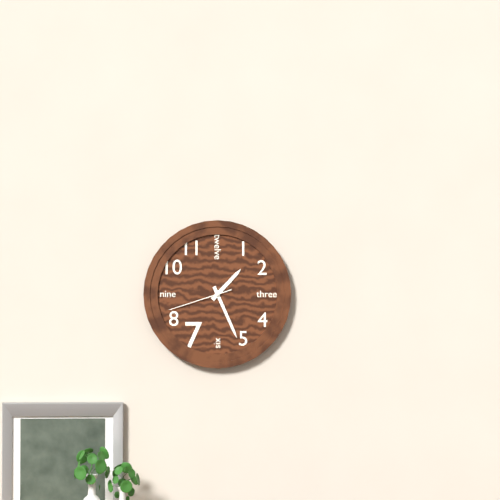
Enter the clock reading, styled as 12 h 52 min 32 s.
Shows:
1 h 26 min 42 s
